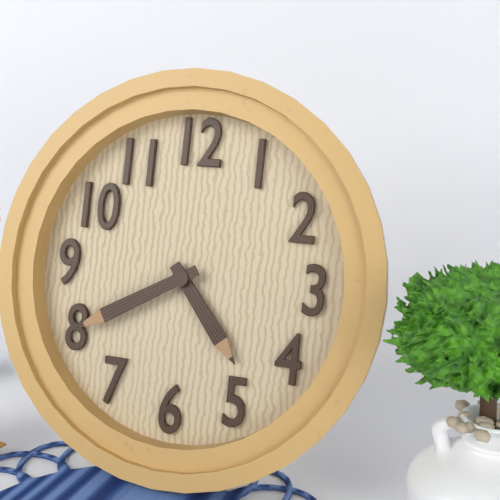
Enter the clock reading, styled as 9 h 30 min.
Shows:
4 h 40 min
